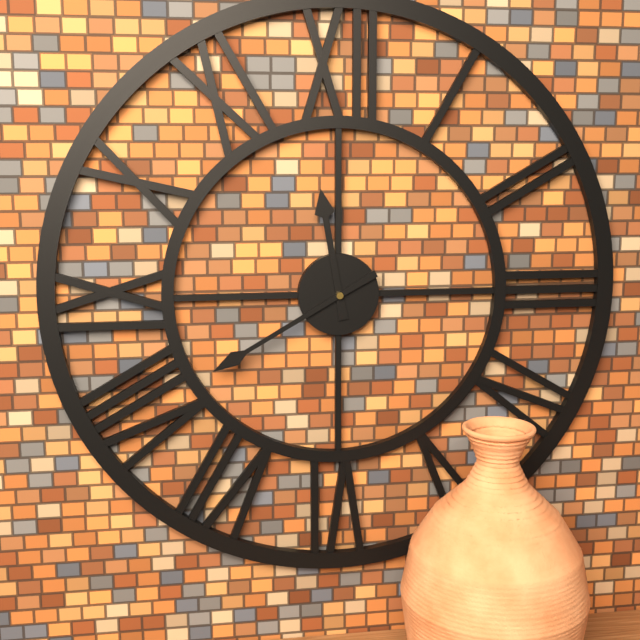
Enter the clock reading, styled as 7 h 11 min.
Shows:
11 h 40 min
